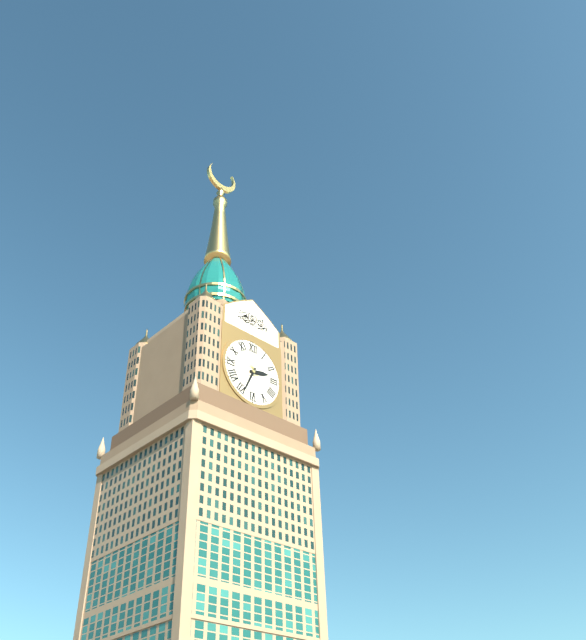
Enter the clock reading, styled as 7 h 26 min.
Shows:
2 h 34 min
